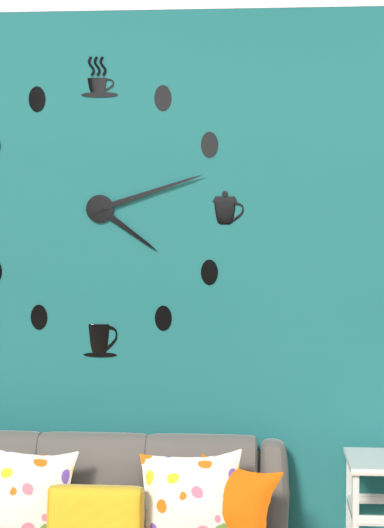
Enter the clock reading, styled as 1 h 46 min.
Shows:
4 h 12 min
